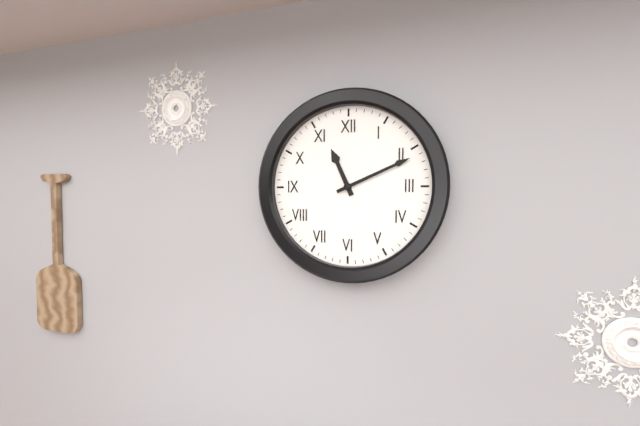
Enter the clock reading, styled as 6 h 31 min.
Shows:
11 h 11 min
